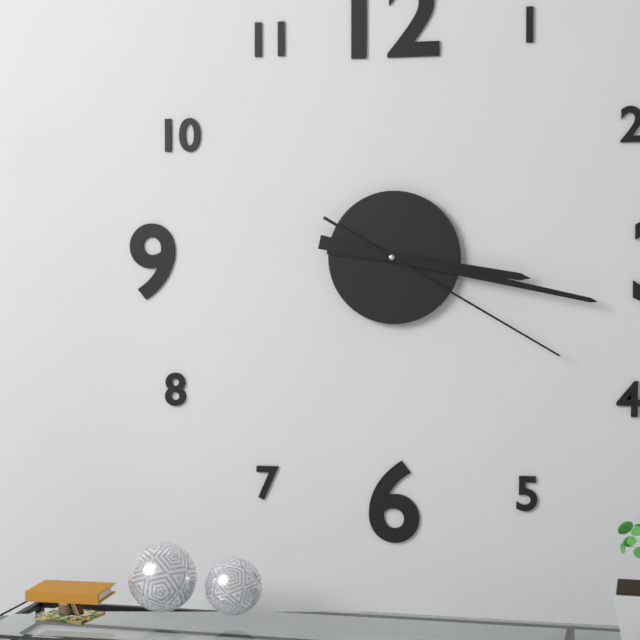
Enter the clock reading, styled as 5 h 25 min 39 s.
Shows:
3 h 17 min 20 s
